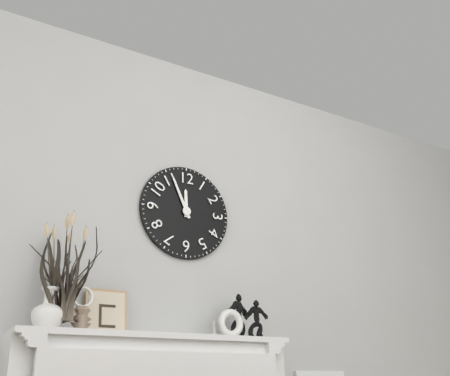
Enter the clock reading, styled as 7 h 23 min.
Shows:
11 h 56 min
